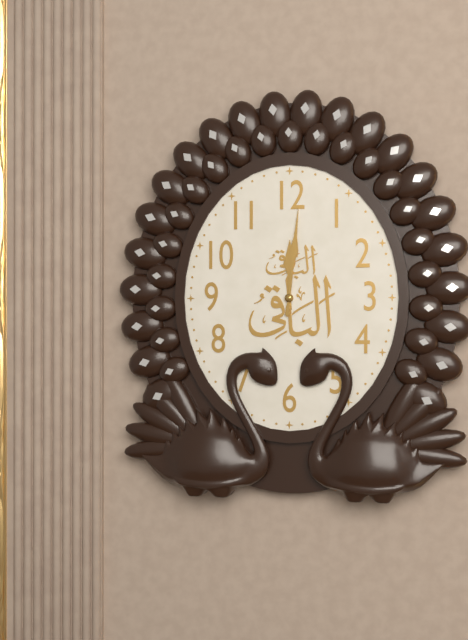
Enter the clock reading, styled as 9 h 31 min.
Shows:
12 h 01 min
